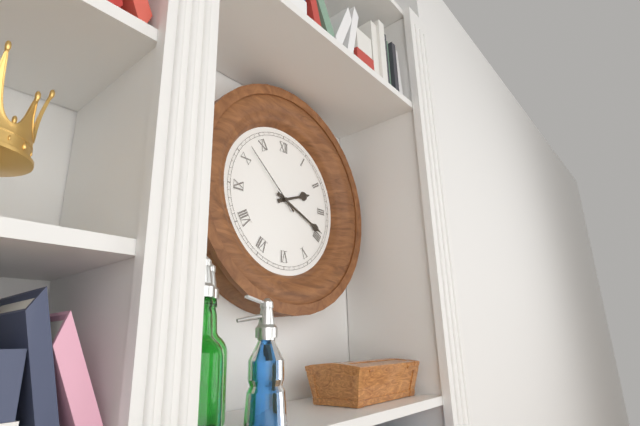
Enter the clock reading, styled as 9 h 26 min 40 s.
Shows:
2 h 19 min 52 s
